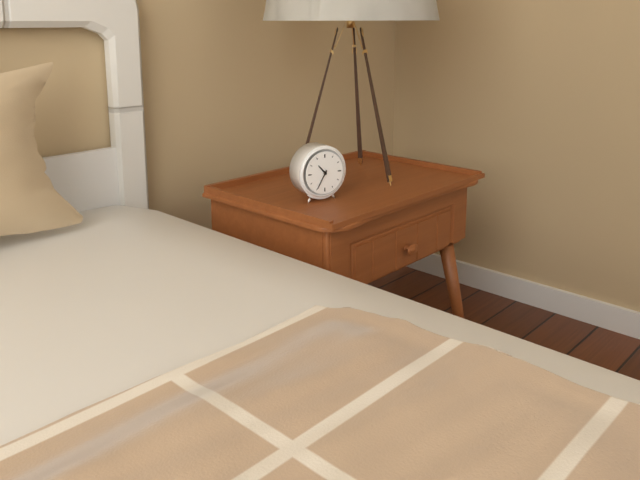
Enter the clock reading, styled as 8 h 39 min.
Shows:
10 h 35 min
